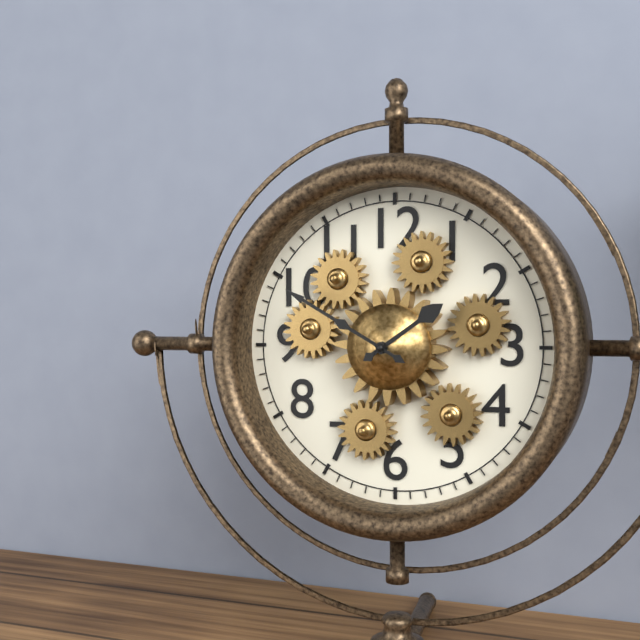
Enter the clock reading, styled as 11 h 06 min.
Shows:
1 h 50 min
